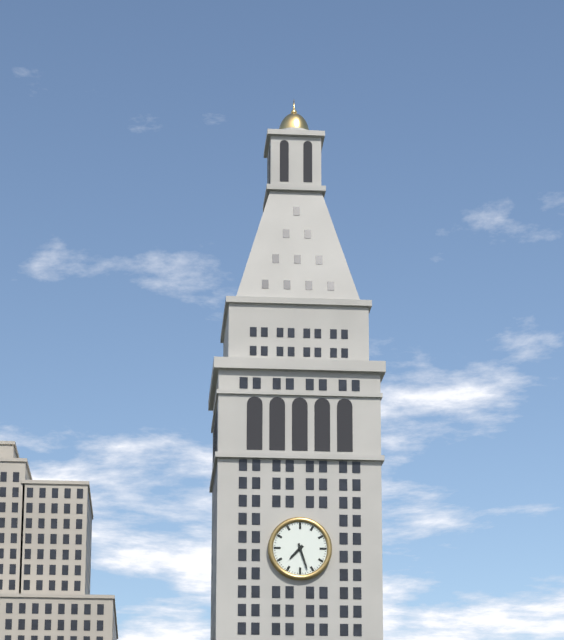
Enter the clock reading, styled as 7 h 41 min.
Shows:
7 h 27 min
